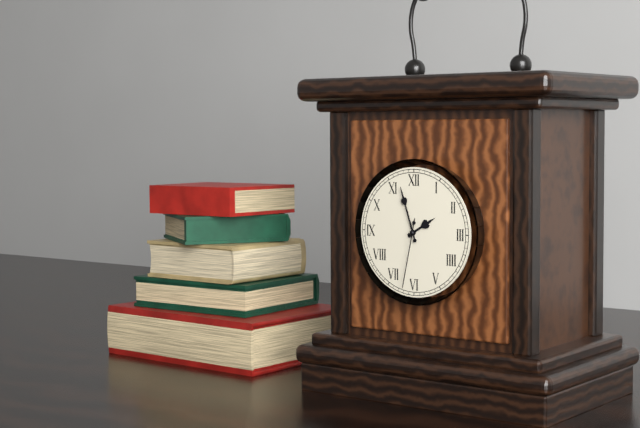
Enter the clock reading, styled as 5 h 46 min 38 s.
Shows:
1 h 57 min 32 s
